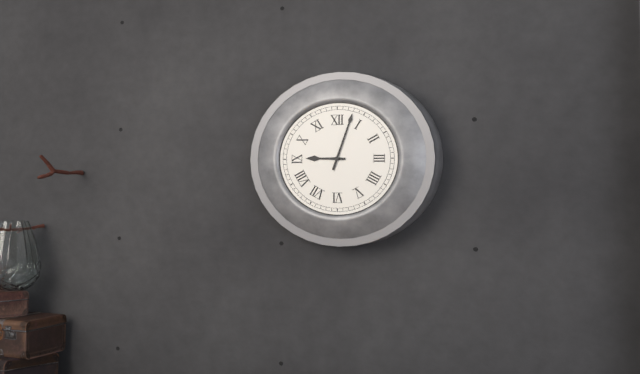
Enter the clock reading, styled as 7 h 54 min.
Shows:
9 h 03 min
